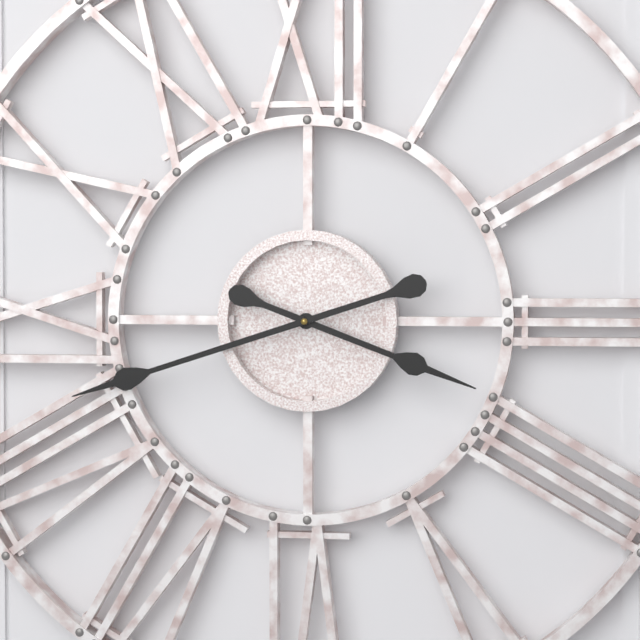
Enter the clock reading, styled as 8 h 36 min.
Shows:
3 h 42 min
